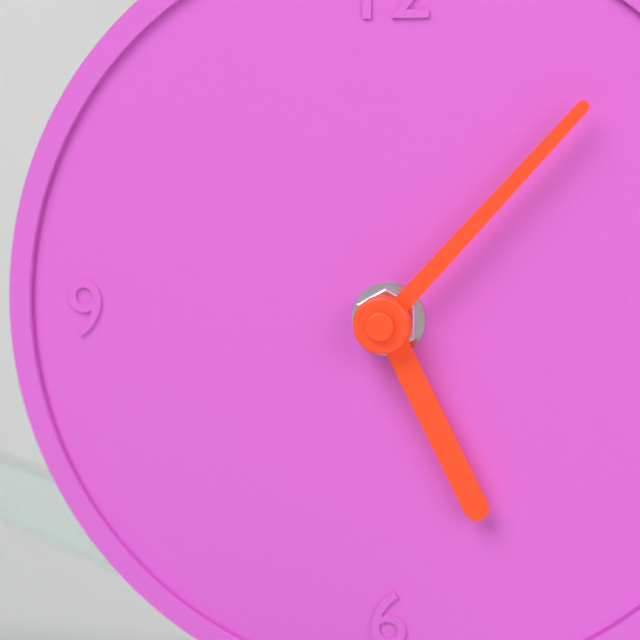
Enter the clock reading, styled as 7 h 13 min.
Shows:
5 h 07 min
